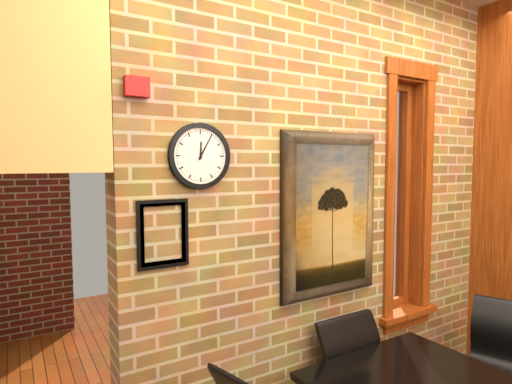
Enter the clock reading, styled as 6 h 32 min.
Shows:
12 h 05 min
